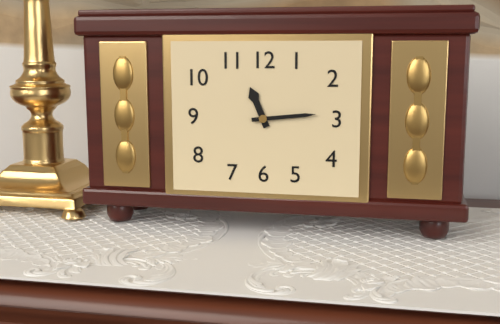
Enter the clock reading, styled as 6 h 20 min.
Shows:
11 h 14 min
